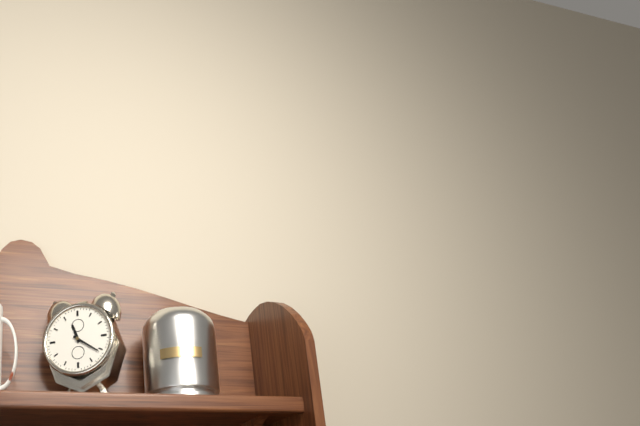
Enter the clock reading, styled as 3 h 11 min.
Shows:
11 h 21 min
